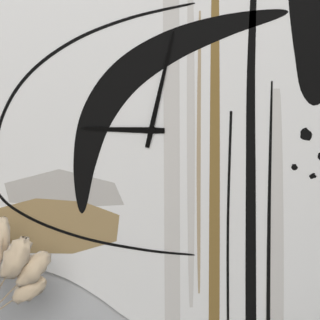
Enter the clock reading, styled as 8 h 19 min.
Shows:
9 h 02 min
